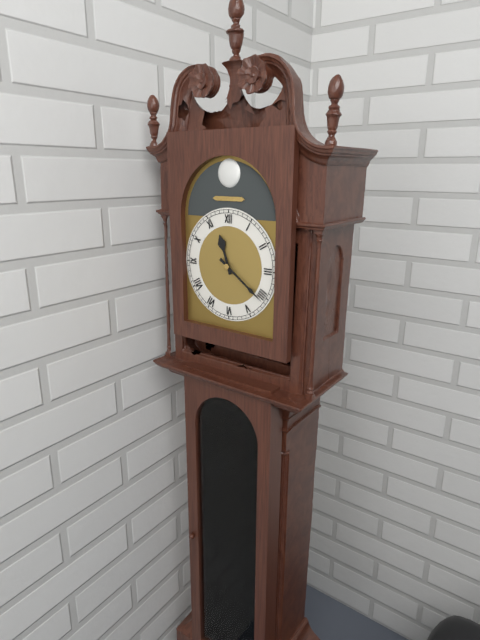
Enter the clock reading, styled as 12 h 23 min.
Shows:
11 h 21 min
